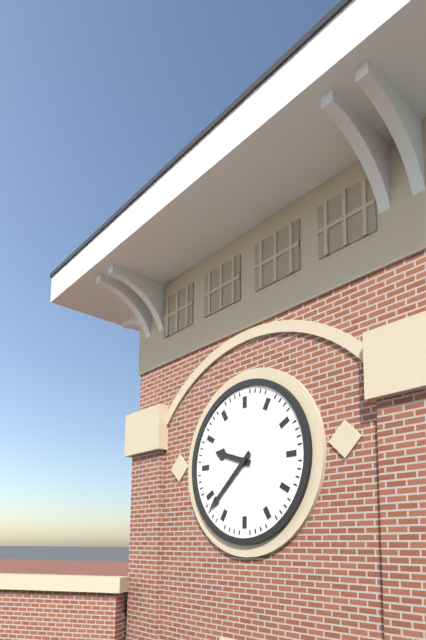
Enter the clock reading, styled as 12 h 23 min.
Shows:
9 h 38 min
